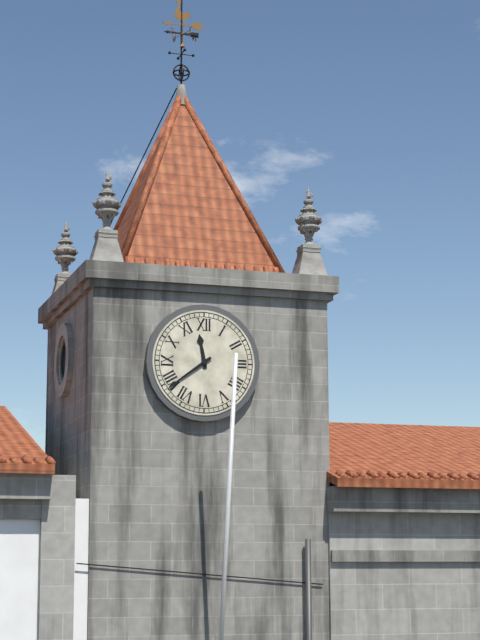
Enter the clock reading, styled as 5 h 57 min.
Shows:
11 h 39 min
